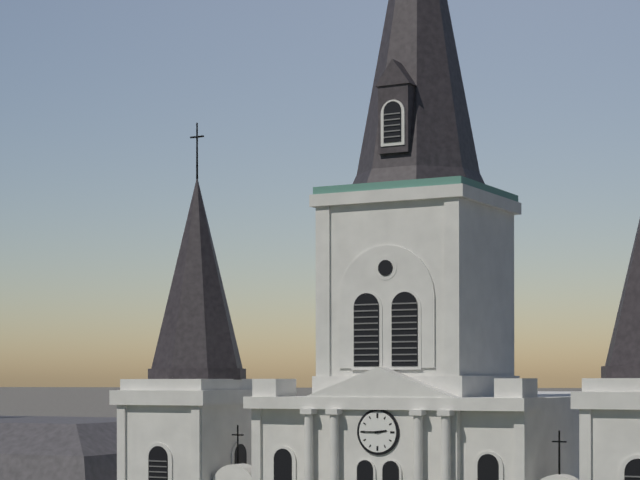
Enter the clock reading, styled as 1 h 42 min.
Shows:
2 h 45 min
